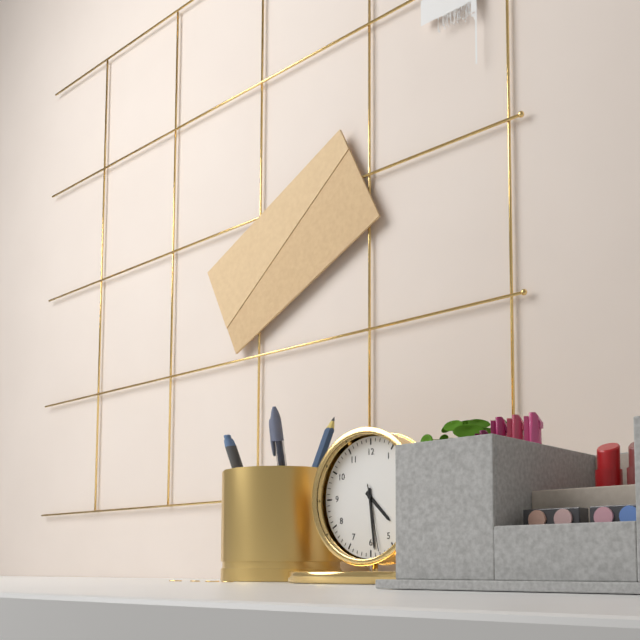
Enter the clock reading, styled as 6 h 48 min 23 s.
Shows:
4 h 29 min 28 s
